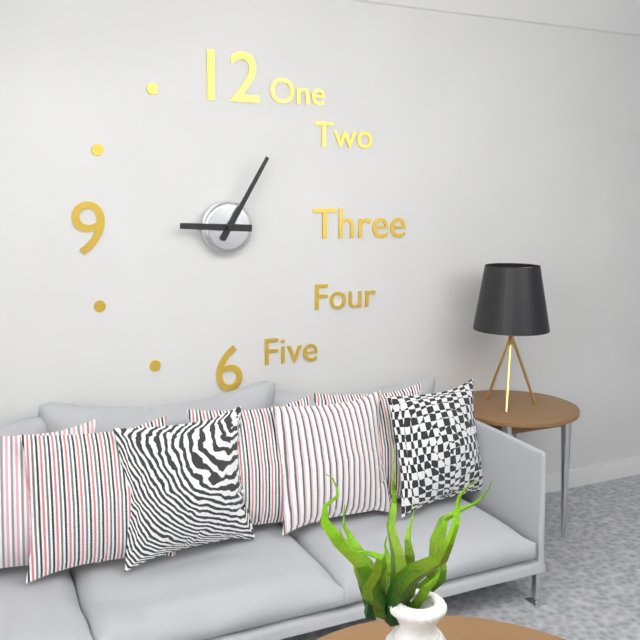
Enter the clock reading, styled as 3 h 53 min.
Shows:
9 h 05 min
